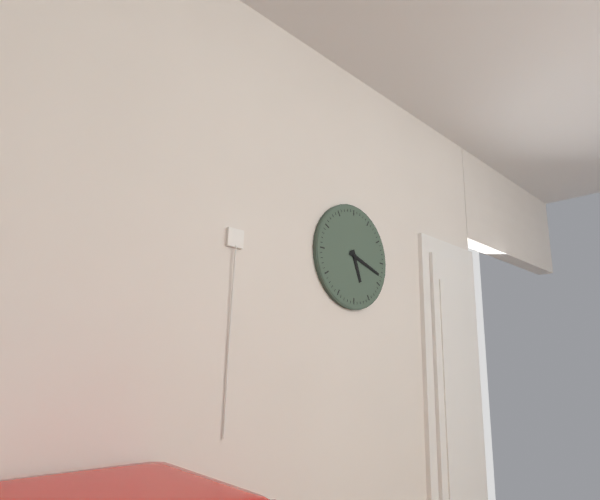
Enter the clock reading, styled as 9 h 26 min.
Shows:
5 h 18 min
